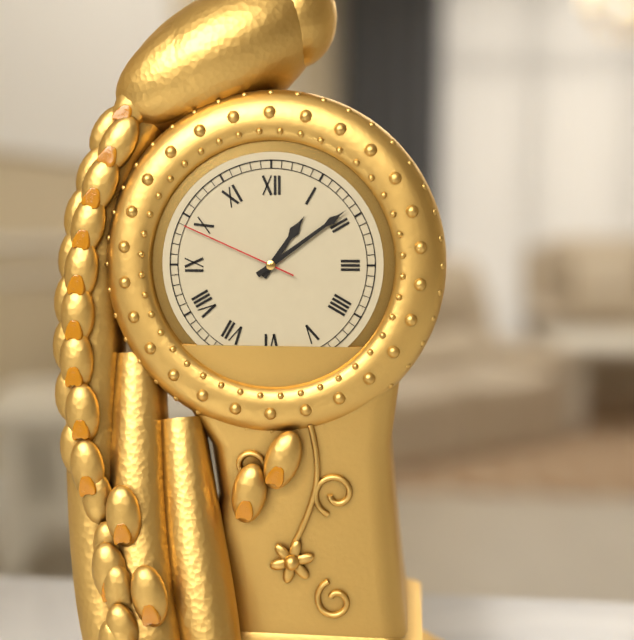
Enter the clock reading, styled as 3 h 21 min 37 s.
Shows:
1 h 09 min 49 s
